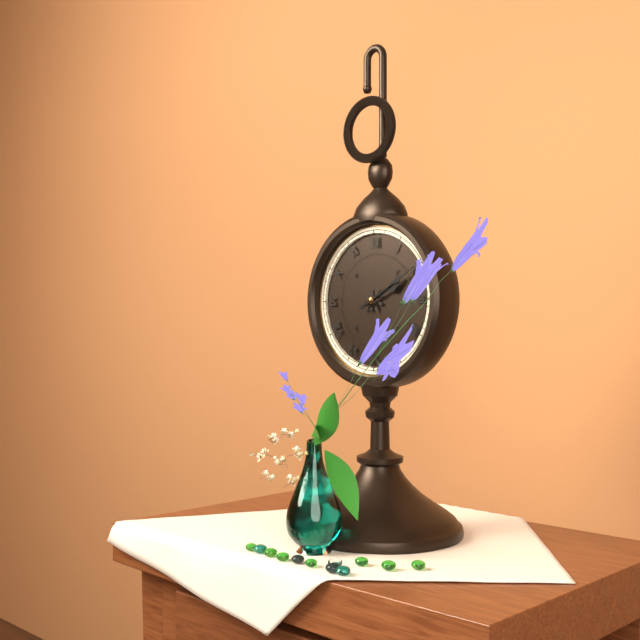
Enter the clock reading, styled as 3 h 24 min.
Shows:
2 h 10 min
